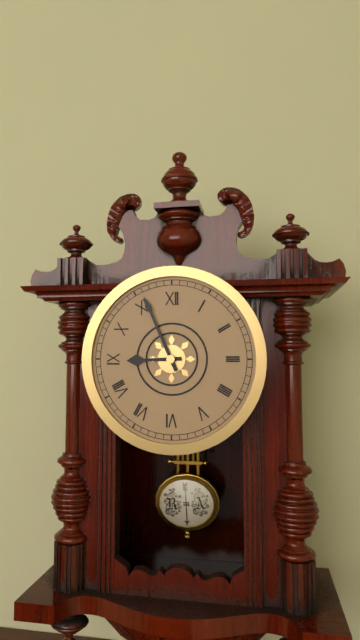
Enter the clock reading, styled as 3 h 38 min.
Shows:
8 h 56 min
